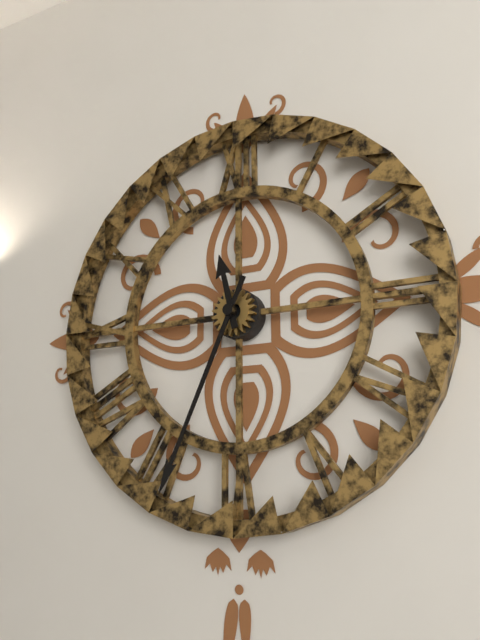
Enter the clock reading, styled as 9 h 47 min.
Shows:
11 h 34 min
